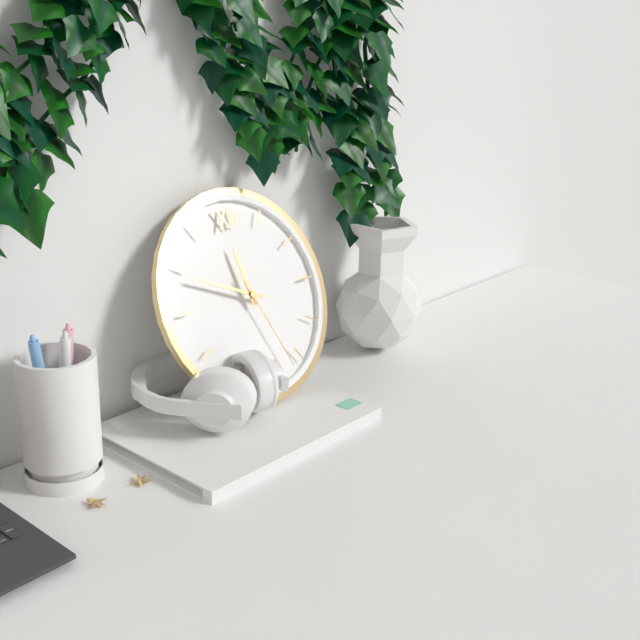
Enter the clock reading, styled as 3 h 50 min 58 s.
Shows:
11 h 49 min 27 s
